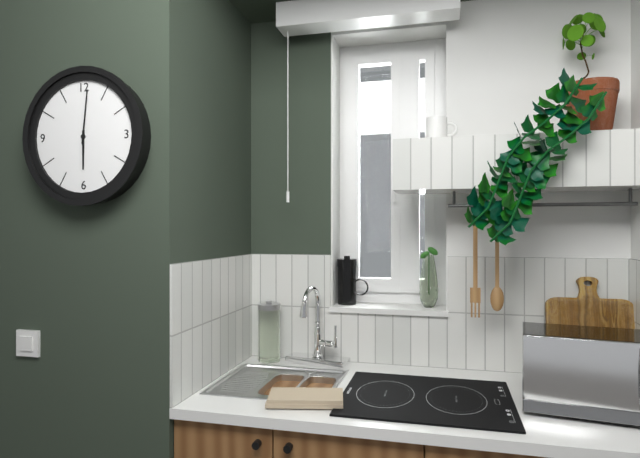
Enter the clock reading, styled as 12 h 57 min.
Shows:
6 h 01 min
